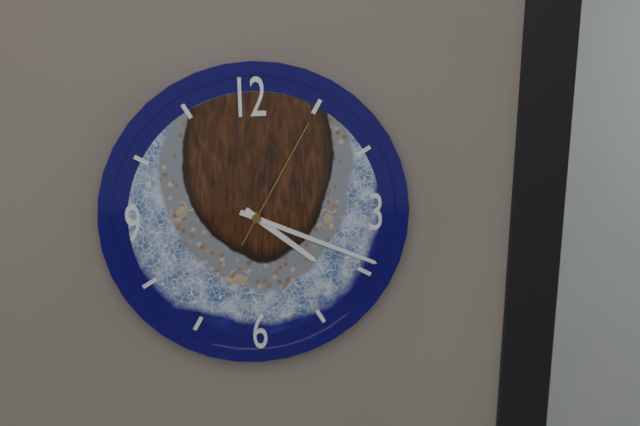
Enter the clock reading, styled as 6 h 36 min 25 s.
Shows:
4 h 19 min 05 s
